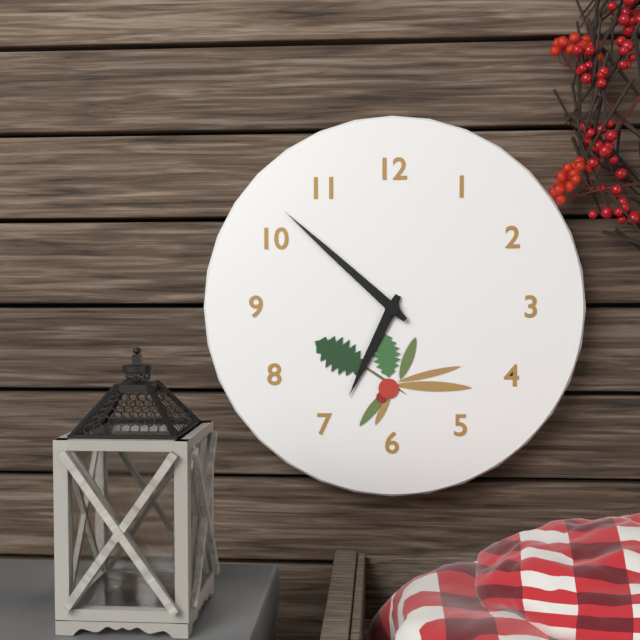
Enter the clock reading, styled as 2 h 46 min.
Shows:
6 h 52 min
